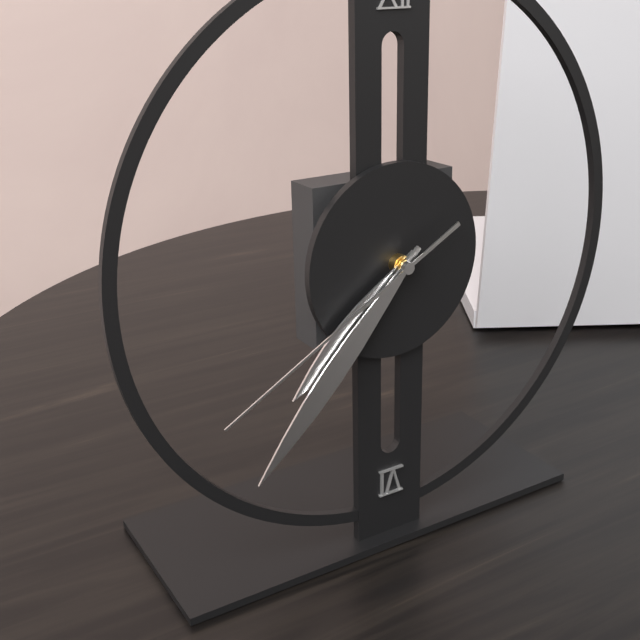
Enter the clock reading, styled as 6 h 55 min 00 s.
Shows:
7 h 37 min 40 s
